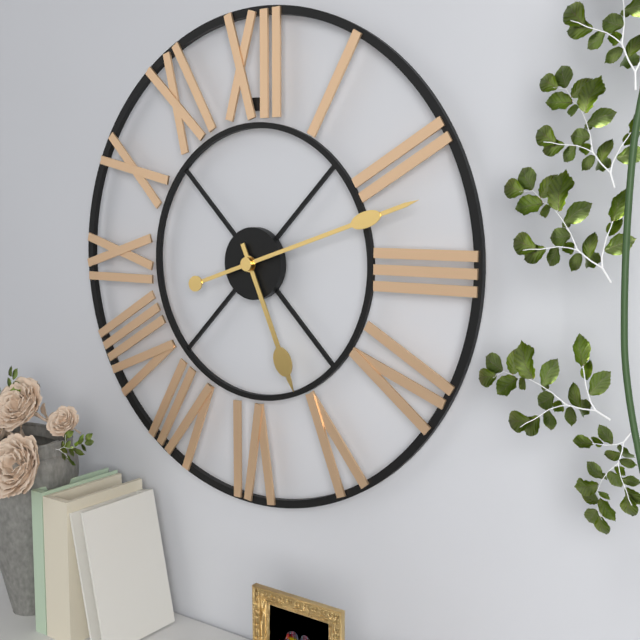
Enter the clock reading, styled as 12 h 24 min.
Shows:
5 h 12 min
